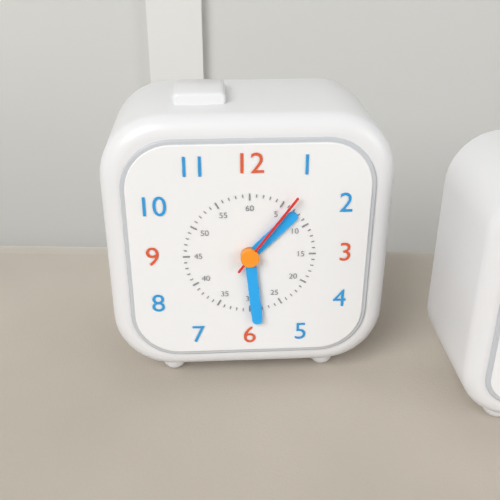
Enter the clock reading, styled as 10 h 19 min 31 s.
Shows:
1 h 29 min 06 s
